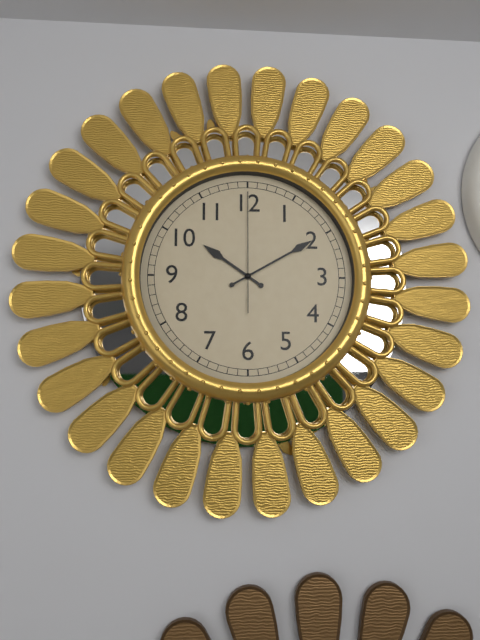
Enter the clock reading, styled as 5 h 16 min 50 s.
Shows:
10 h 10 min 00 s
